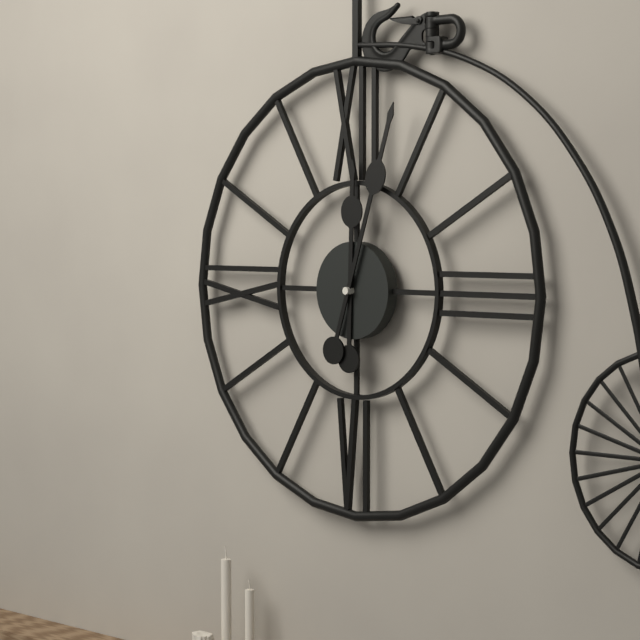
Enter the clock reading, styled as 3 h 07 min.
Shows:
12 h 03 min
